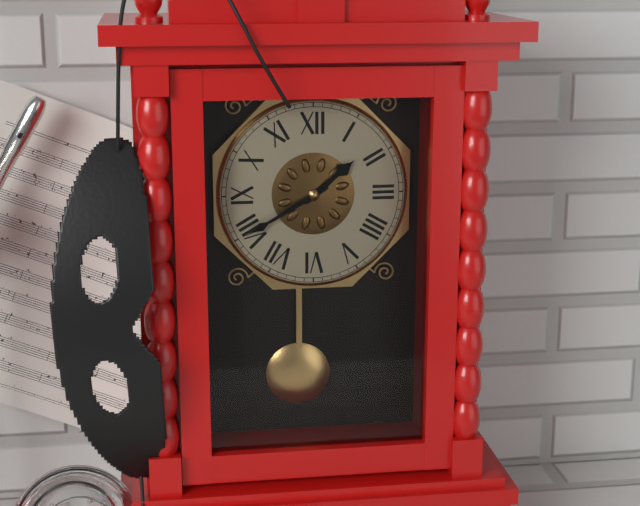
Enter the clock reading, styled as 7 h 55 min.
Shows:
1 h 40 min
